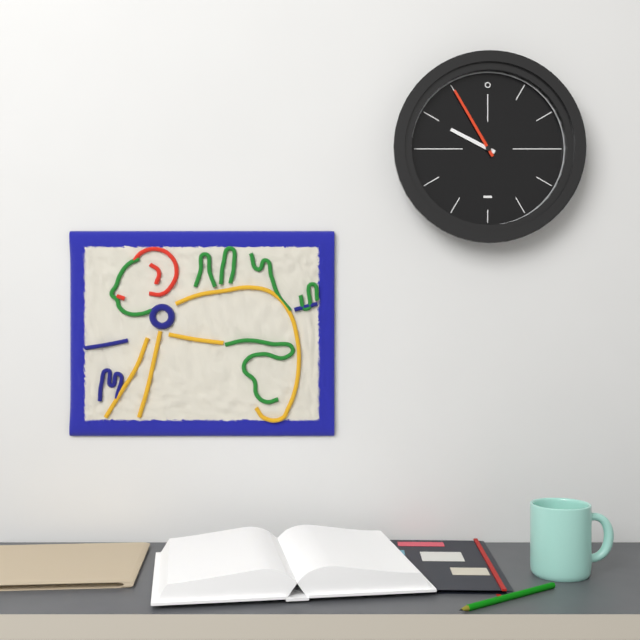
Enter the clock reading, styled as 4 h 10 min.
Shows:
9 h 55 min
